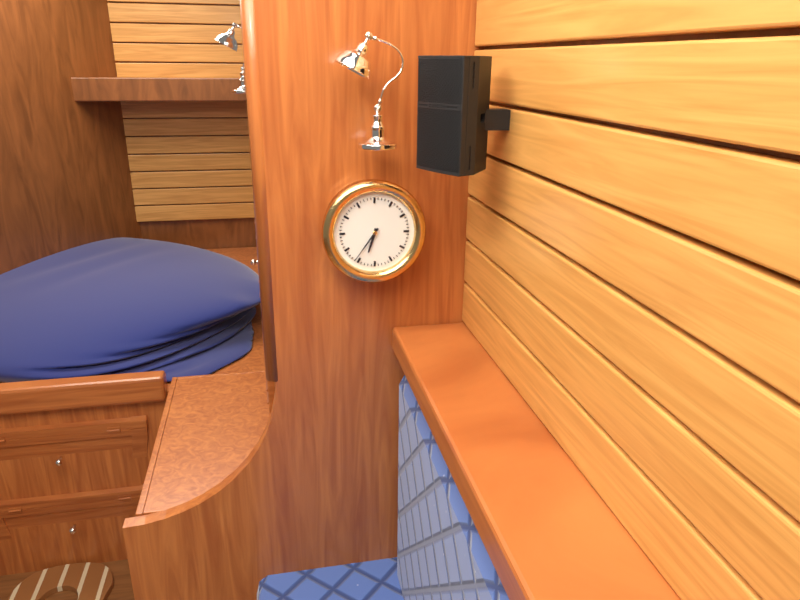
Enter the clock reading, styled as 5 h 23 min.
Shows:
6 h 36 min
